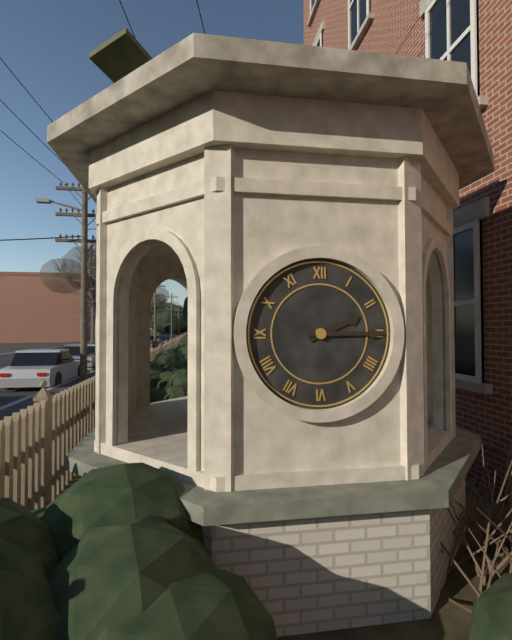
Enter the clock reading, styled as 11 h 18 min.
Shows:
2 h 15 min
